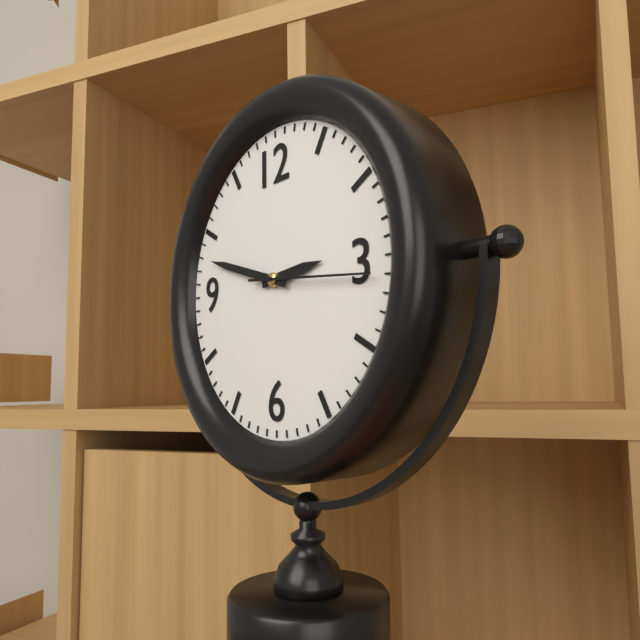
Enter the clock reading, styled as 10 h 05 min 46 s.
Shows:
2 h 48 min 16 s
